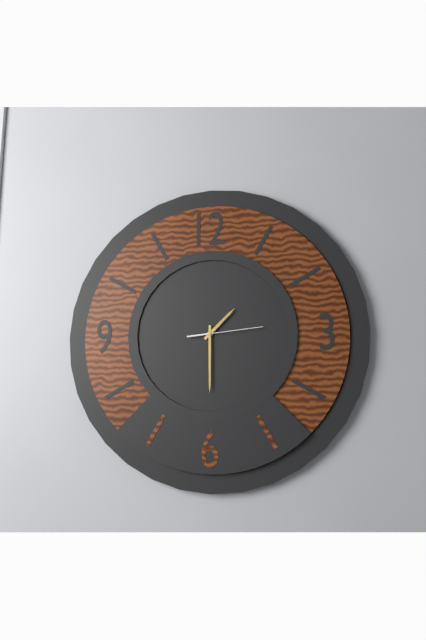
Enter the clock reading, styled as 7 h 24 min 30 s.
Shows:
1 h 30 min 14 s
